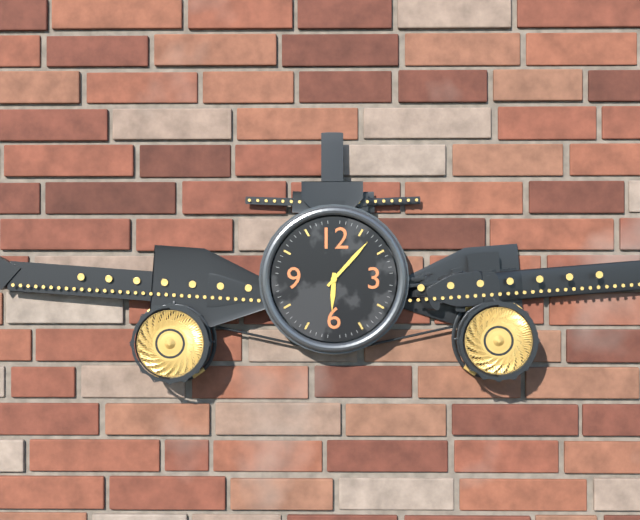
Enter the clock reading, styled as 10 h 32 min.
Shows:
6 h 07 min
